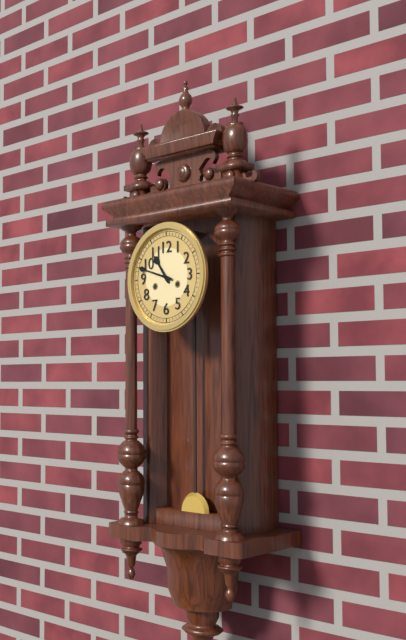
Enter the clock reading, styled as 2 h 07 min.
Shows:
10 h 48 min
